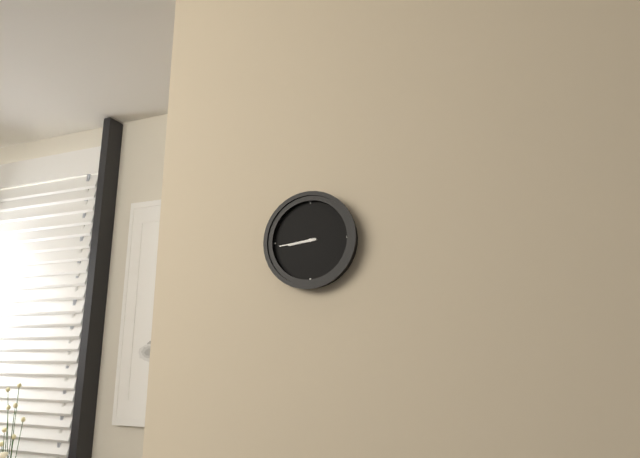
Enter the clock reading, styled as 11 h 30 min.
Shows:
8 h 44 min
